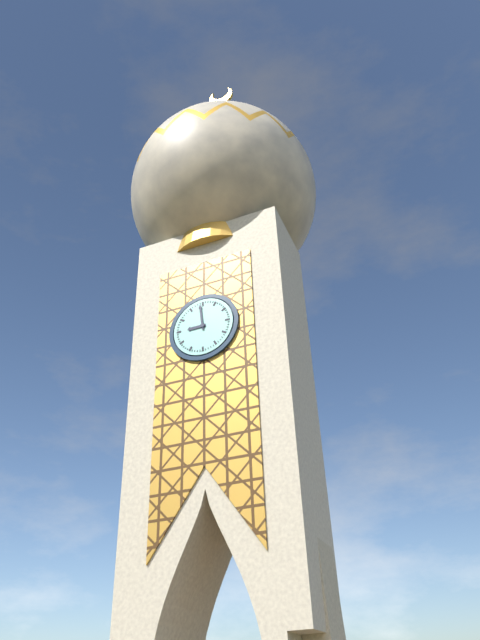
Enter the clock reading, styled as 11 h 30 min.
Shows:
8 h 59 min
